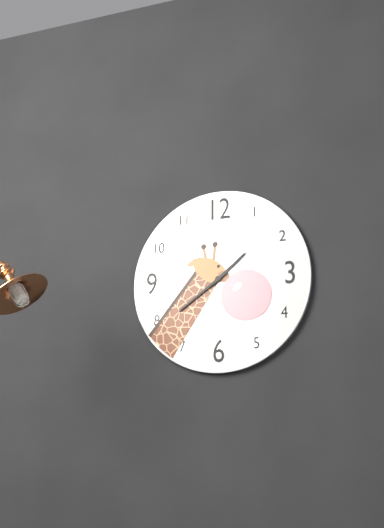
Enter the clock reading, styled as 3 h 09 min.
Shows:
1 h 39 min
